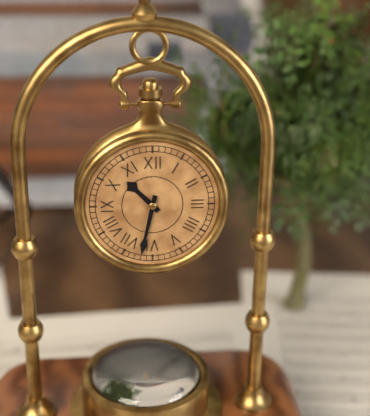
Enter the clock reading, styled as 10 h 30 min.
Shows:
10 h 32 min
